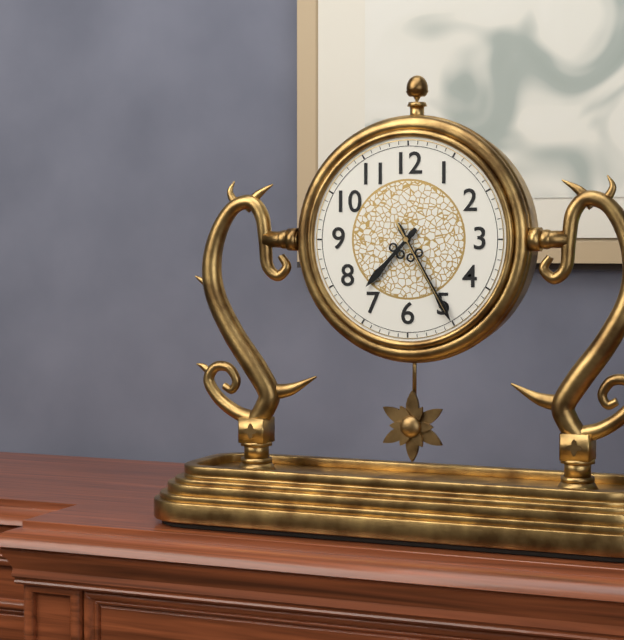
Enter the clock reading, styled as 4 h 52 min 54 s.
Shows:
7 h 25 min 25 s
